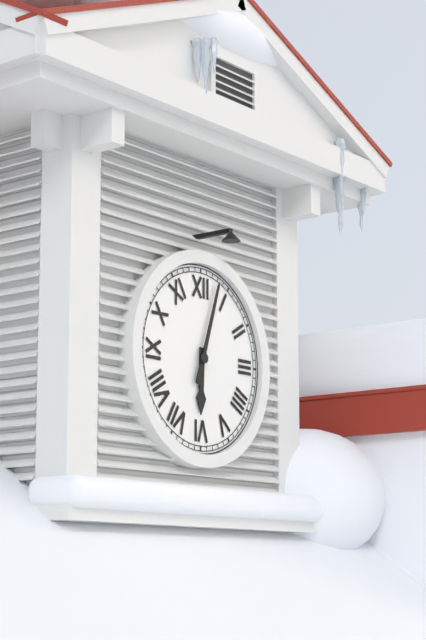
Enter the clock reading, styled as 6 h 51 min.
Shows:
6 h 03 min
